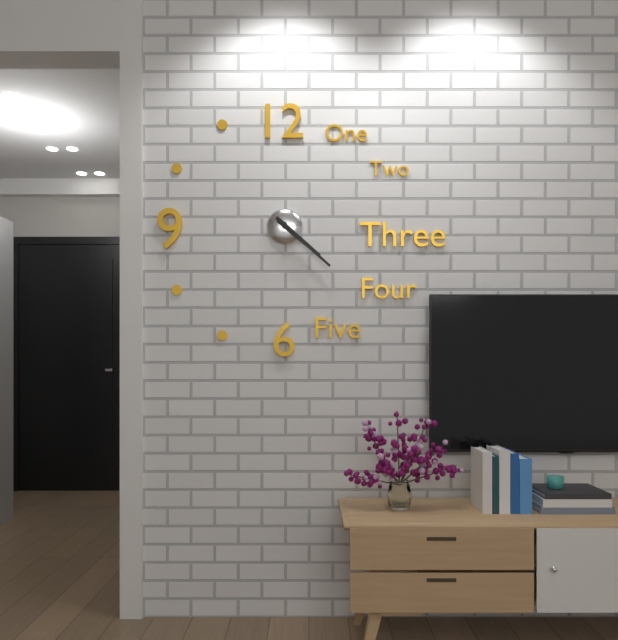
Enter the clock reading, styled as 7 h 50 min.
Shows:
4 h 22 min
